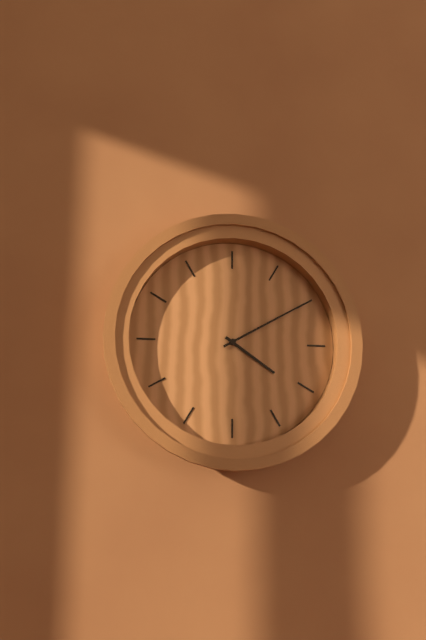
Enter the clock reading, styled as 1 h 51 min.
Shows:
4 h 10 min
